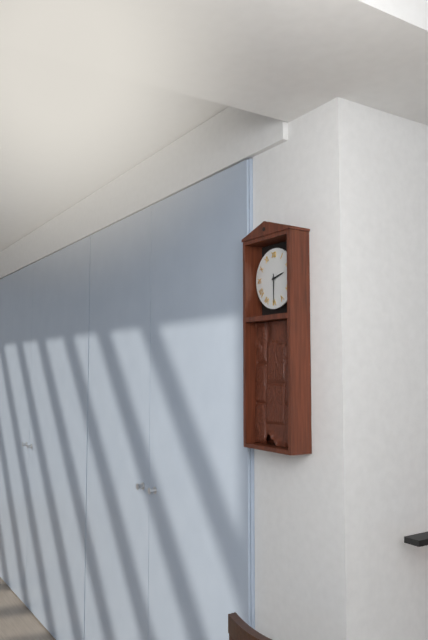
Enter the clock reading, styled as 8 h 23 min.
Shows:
2 h 30 min
